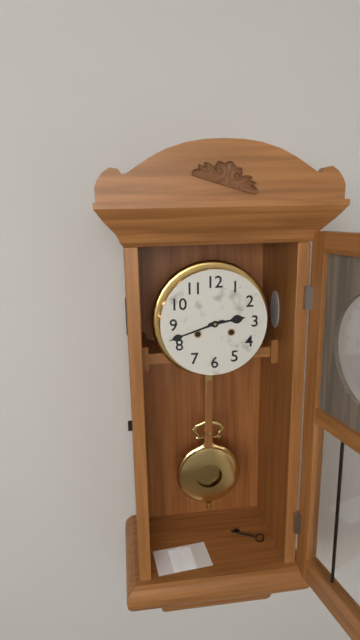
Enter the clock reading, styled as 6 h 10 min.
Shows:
2 h 42 min
